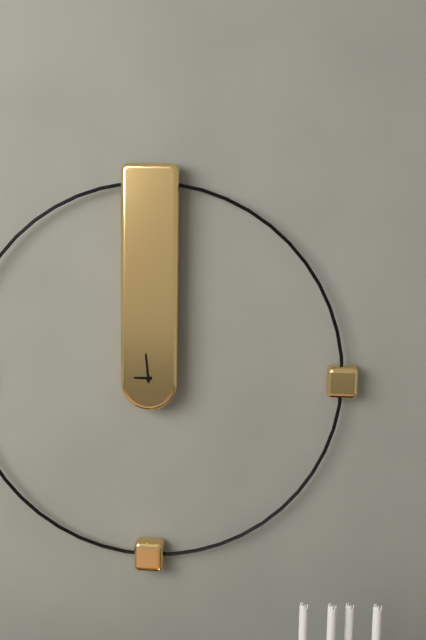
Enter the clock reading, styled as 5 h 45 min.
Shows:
8 h 59 min
